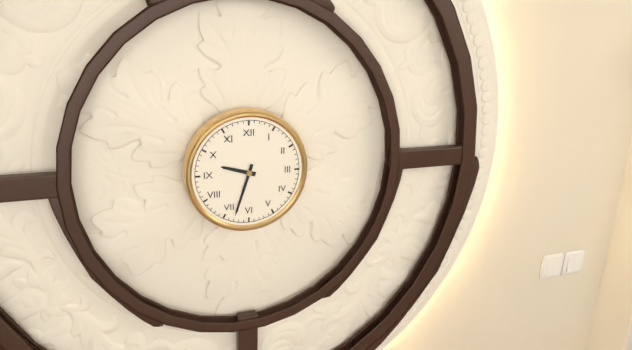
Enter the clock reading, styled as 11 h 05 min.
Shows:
9 h 33 min
